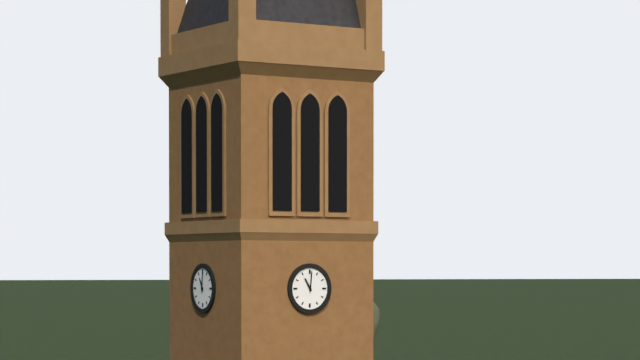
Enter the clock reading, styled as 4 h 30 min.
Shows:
11 h 01 min
